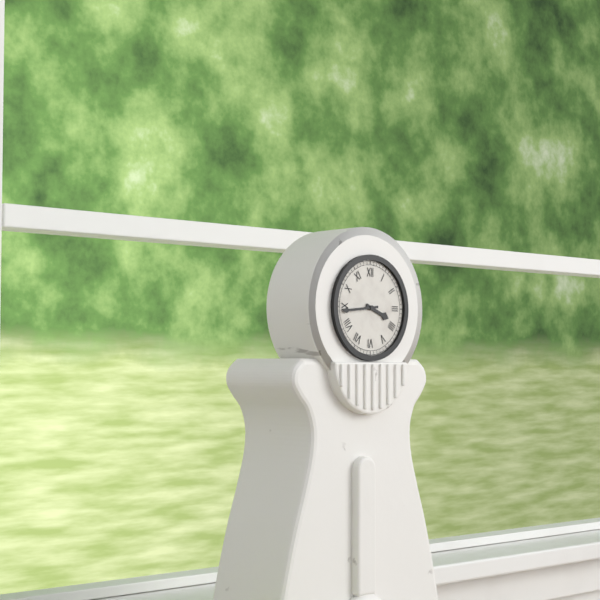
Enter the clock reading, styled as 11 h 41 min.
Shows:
3 h 44 min
